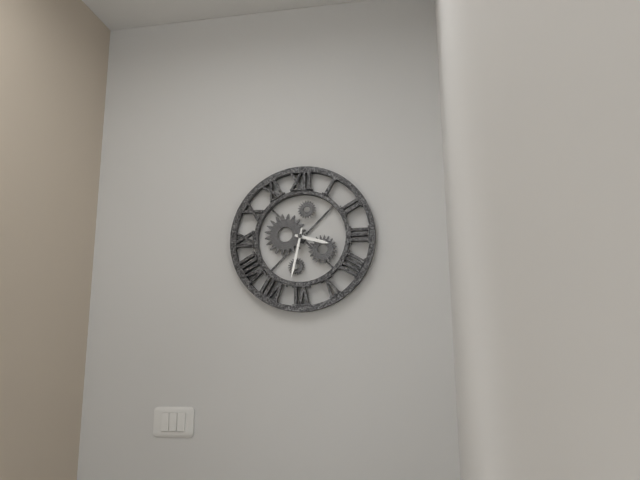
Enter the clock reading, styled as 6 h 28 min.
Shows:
3 h 32 min
